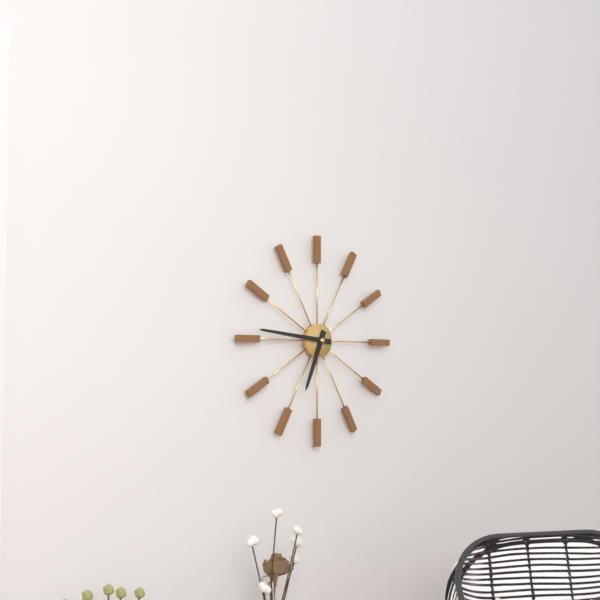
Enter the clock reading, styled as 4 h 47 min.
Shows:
6 h 46 min
